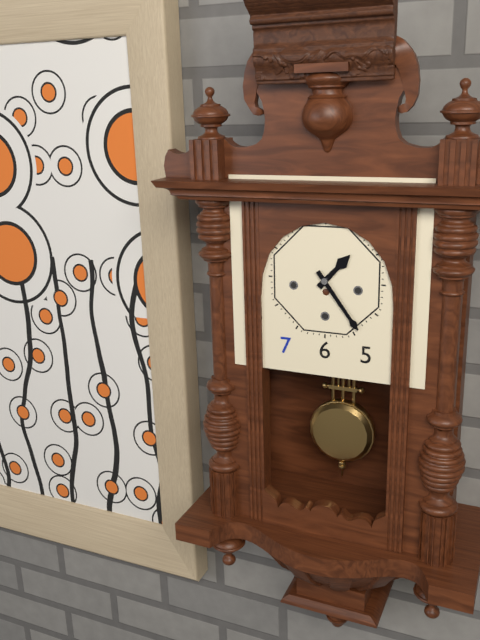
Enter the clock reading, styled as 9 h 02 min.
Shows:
1 h 24 min
